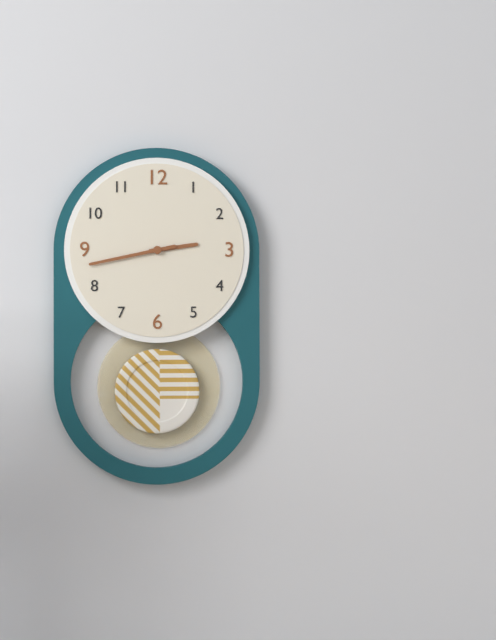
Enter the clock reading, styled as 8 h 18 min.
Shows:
2 h 43 min
